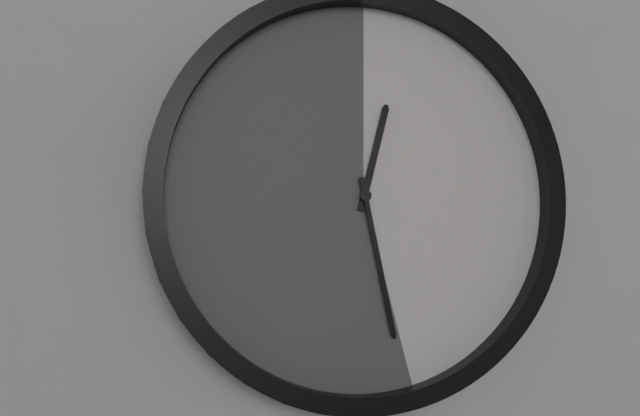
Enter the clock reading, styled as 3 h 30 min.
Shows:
12 h 28 min
